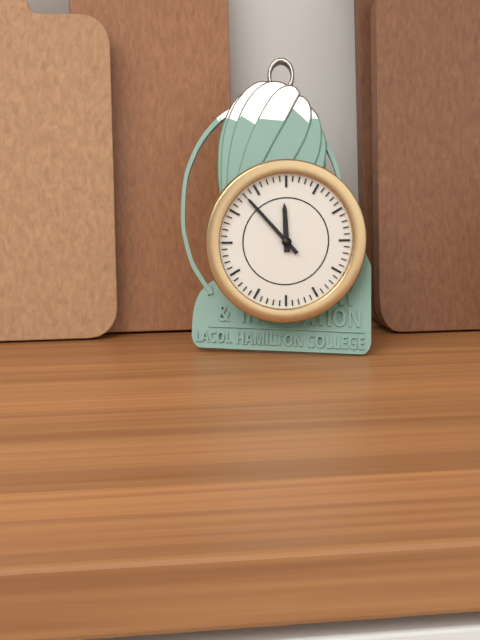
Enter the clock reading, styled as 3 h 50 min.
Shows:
11 h 53 min
